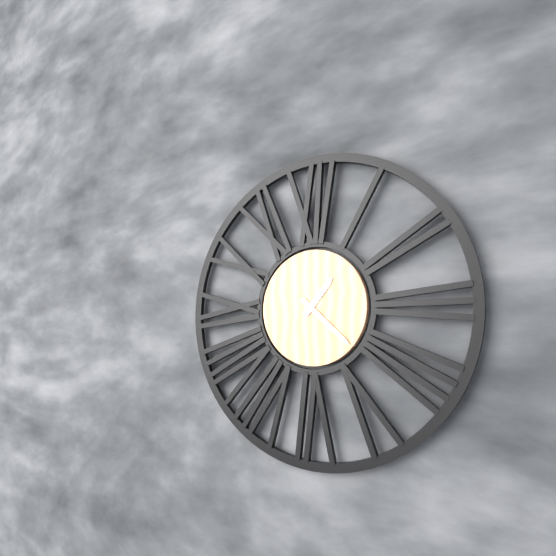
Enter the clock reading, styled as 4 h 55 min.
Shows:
1 h 22 min
